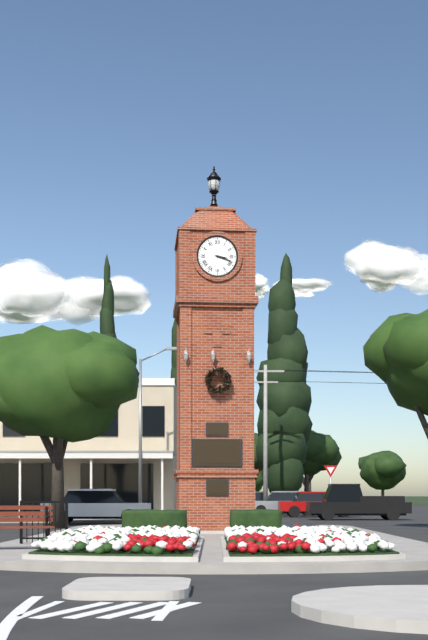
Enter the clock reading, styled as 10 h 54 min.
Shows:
3 h 18 min
